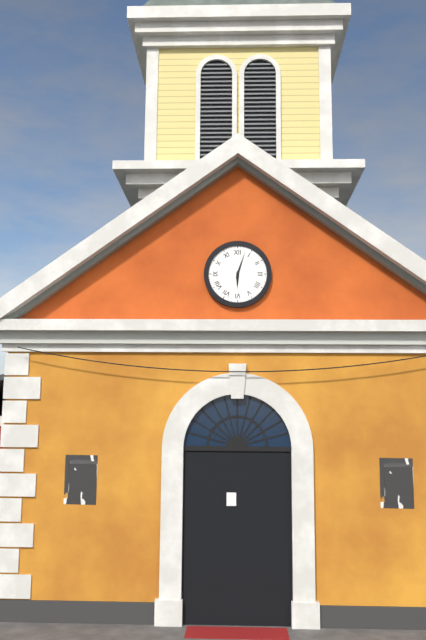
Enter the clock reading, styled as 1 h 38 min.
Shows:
6 h 03 min
